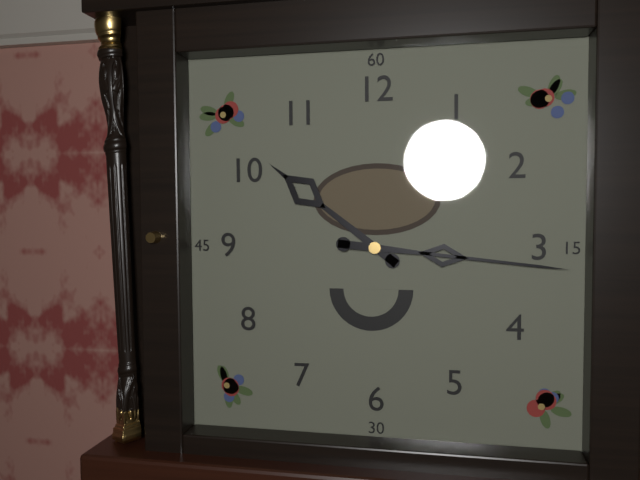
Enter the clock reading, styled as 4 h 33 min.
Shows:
10 h 16 min
